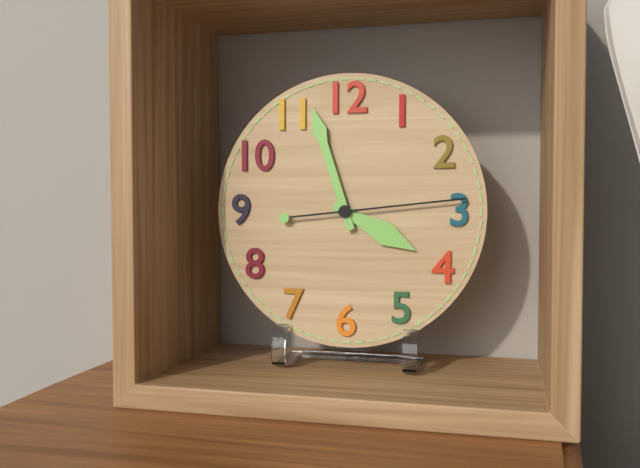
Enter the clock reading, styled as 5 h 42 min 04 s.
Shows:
3 h 57 min 14 s
